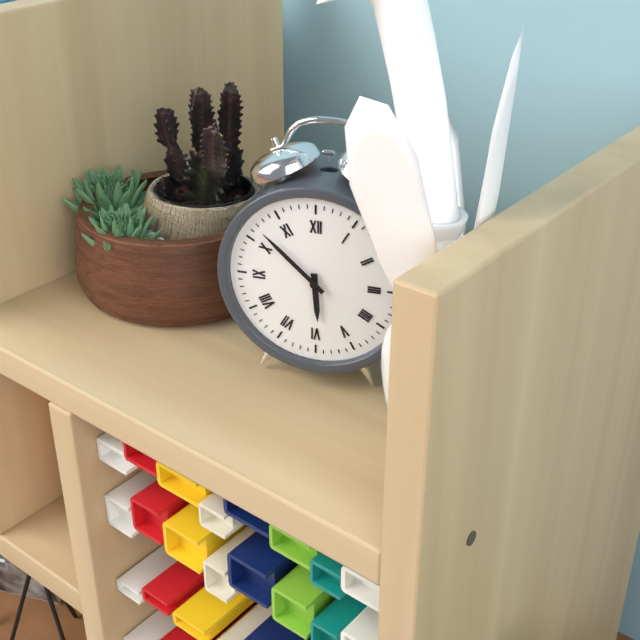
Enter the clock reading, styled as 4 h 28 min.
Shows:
5 h 52 min
